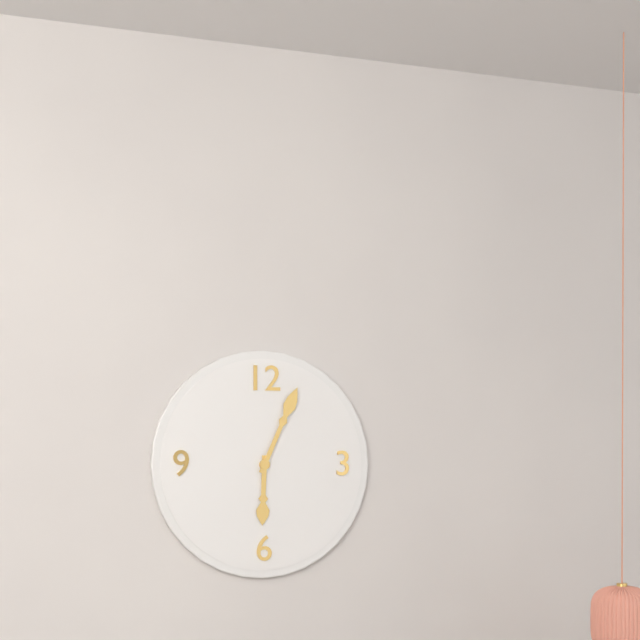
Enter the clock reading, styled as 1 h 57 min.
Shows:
6 h 04 min
